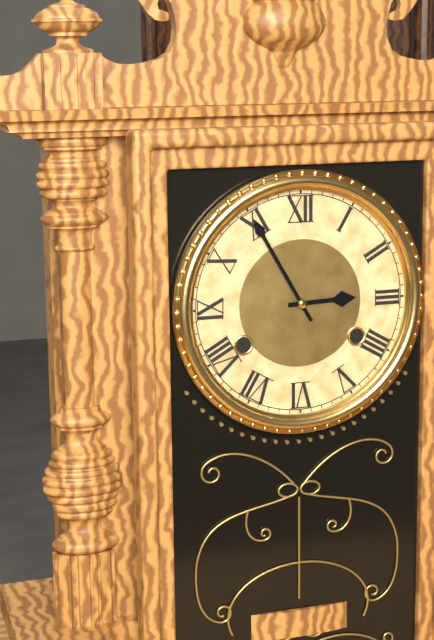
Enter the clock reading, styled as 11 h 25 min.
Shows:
2 h 55 min
